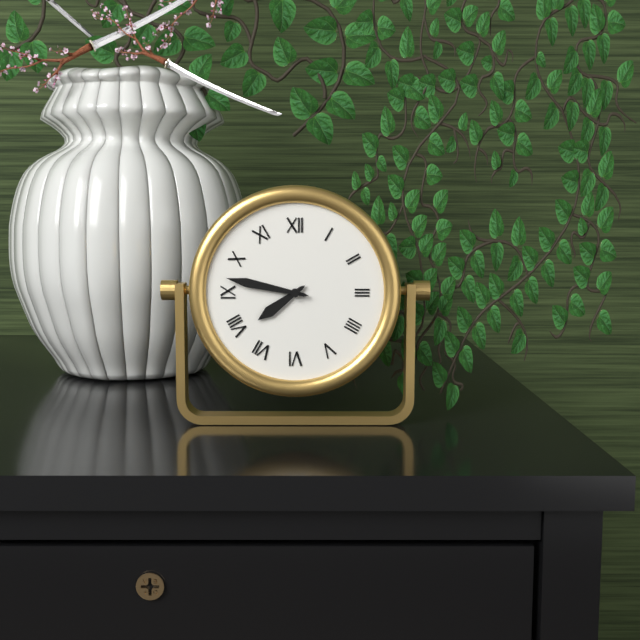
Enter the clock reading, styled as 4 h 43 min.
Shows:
7 h 47 min
